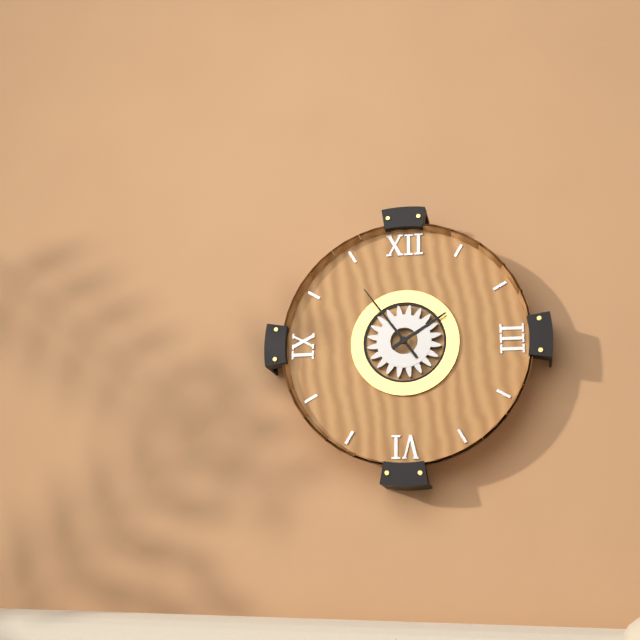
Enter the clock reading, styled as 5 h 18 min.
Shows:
1 h 54 min
